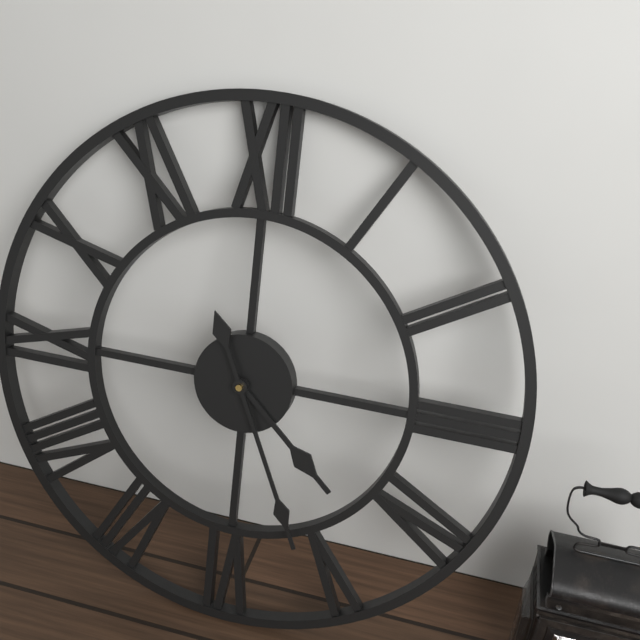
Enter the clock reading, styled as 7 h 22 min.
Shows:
4 h 26 min
